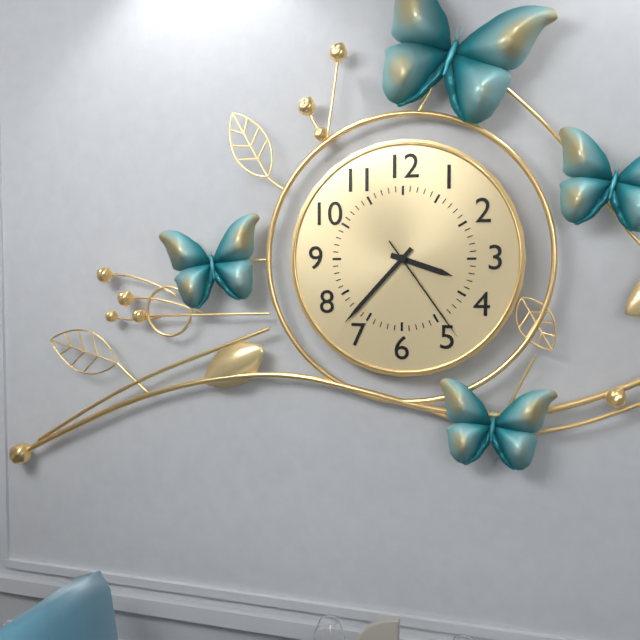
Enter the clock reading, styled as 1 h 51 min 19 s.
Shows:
3 h 37 min 24 s
